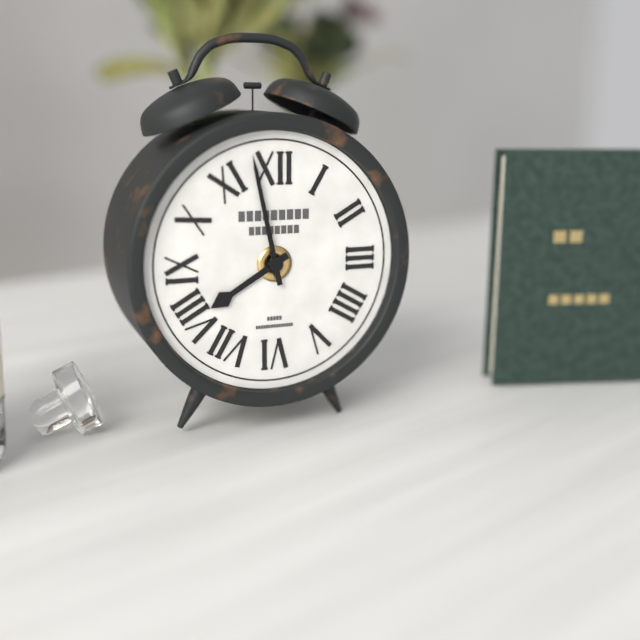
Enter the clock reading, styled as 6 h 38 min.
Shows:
7 h 58 min
